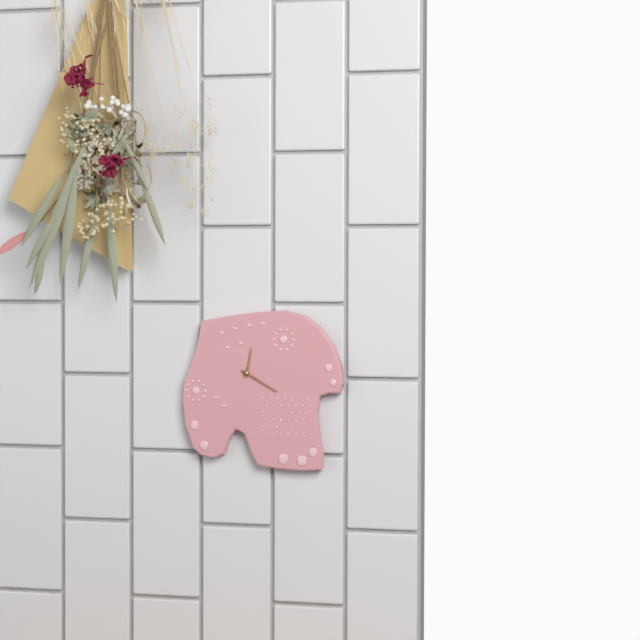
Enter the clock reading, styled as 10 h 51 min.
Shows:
12 h 20 min
